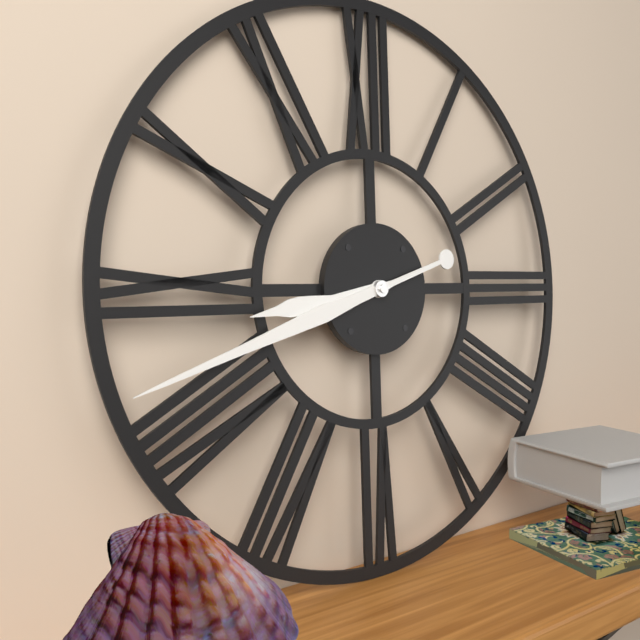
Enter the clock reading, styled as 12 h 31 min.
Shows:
8 h 42 min
